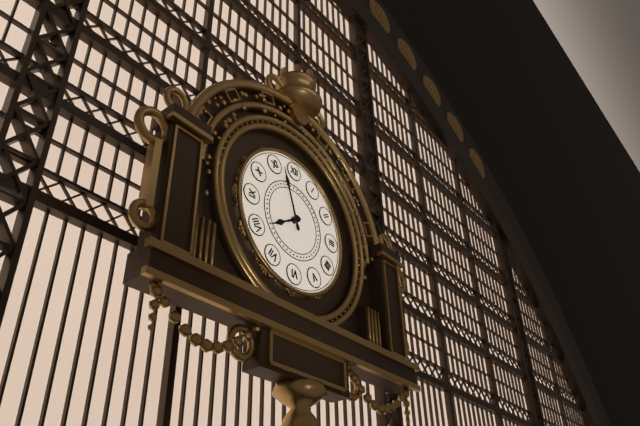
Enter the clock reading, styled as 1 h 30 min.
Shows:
7 h 57 min
